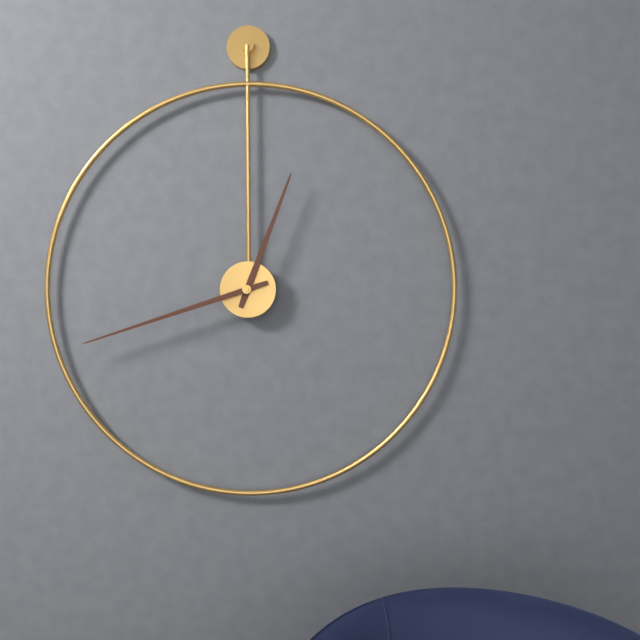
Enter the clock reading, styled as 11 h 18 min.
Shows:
12 h 42 min
